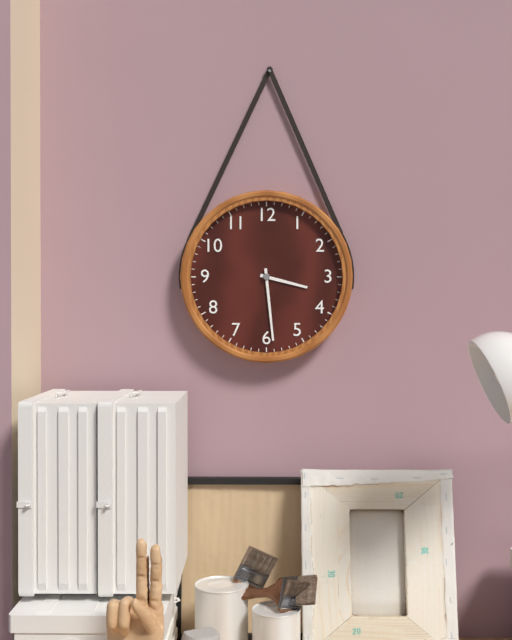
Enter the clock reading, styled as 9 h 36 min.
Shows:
3 h 29 min
